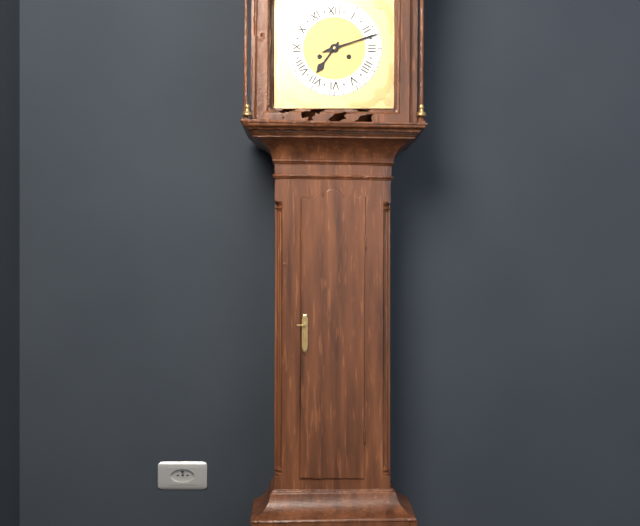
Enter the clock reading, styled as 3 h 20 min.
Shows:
7 h 12 min
